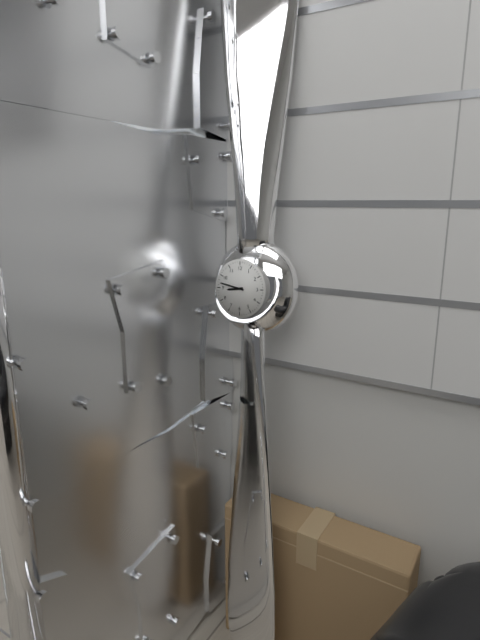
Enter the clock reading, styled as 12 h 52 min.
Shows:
8 h 47 min
